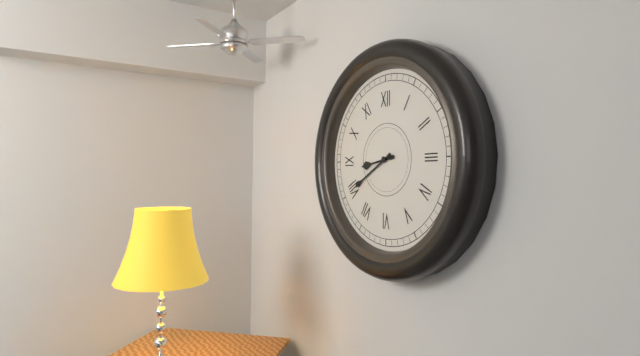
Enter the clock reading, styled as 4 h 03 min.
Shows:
8 h 40 min
